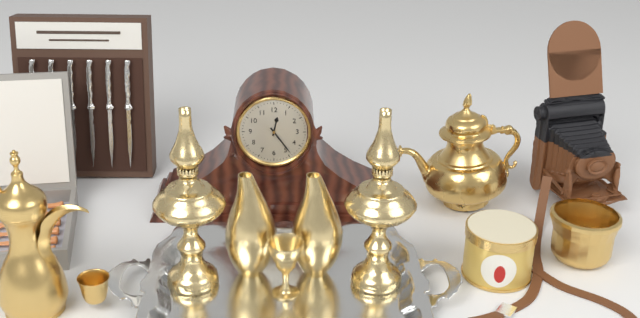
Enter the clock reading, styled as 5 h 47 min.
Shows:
12 h 24 min
